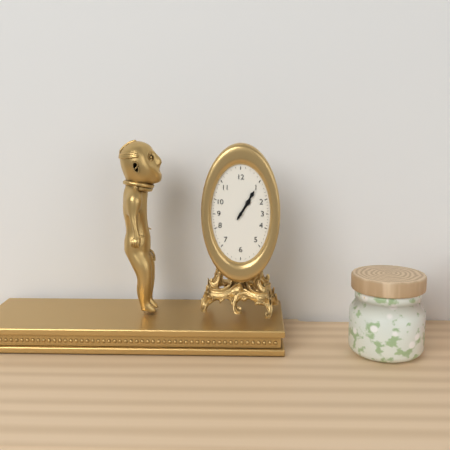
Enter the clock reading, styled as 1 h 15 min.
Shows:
1 h 05 min
